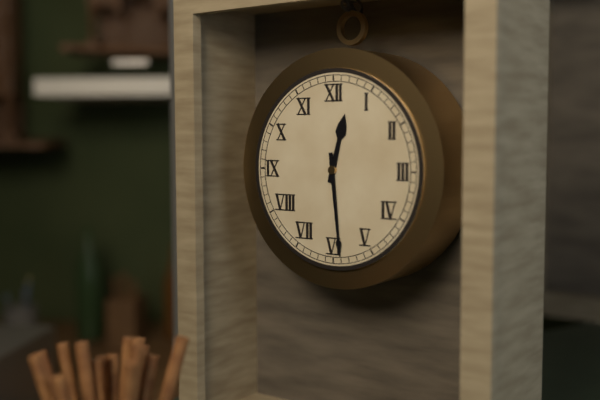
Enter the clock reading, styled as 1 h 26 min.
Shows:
12 h 29 min
